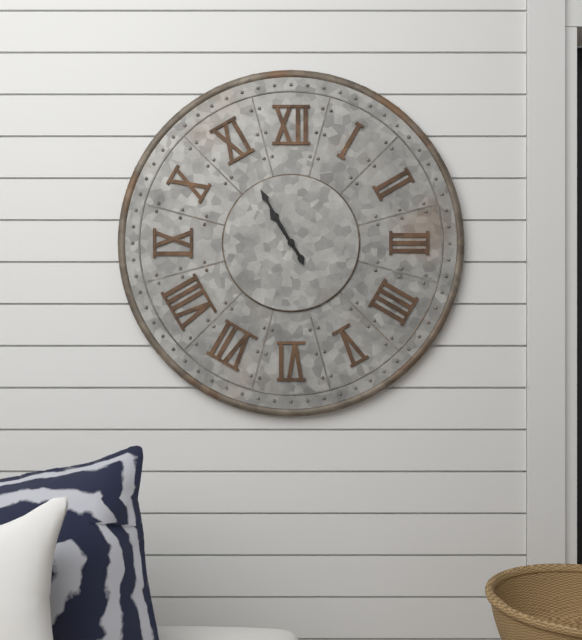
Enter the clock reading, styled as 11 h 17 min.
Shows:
10 h 55 min
